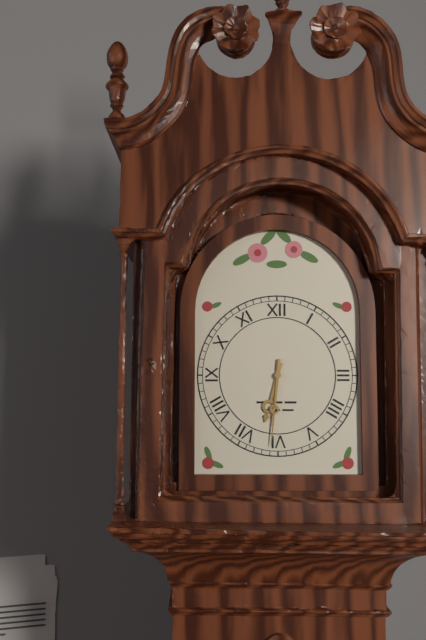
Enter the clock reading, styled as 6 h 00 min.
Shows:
6 h 31 min
